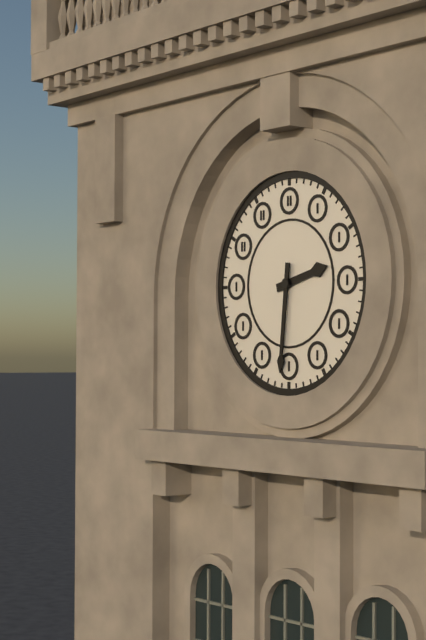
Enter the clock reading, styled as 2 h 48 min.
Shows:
2 h 31 min
